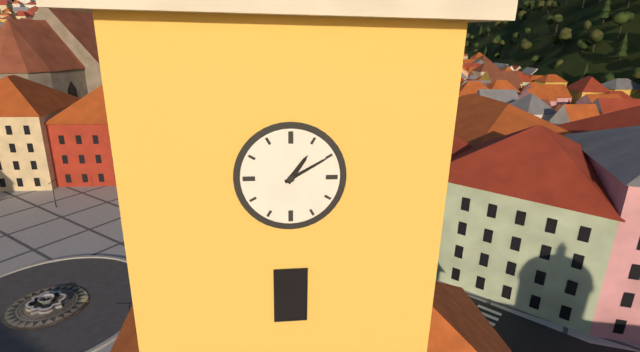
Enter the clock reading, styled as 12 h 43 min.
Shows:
1 h 10 min
